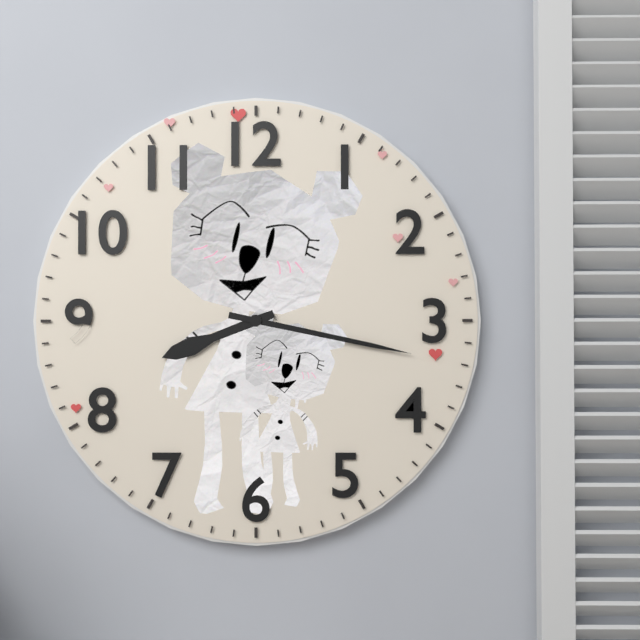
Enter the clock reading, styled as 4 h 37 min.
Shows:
8 h 17 min
